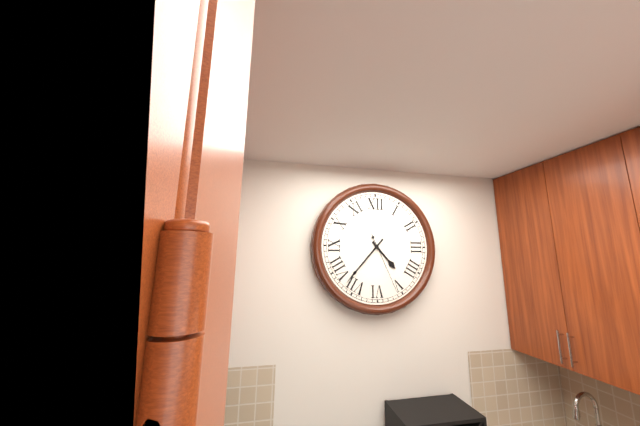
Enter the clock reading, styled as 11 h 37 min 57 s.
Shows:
4 h 37 min 26 s
